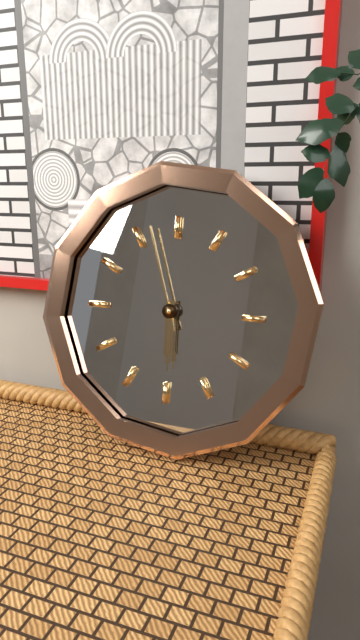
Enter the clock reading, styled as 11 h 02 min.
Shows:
5 h 57 min
